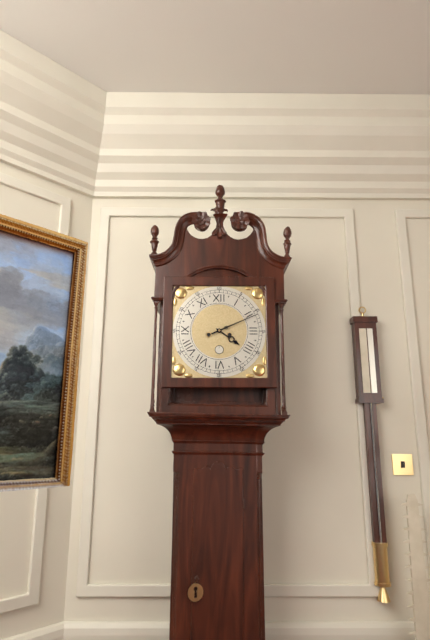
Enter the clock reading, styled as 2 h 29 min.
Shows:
4 h 11 min
